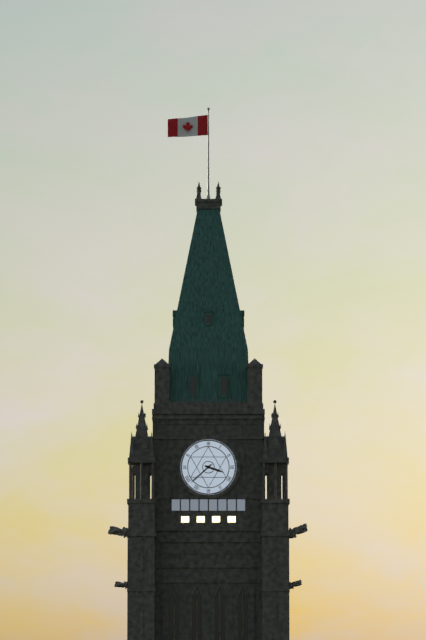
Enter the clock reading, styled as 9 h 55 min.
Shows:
3 h 38 min
